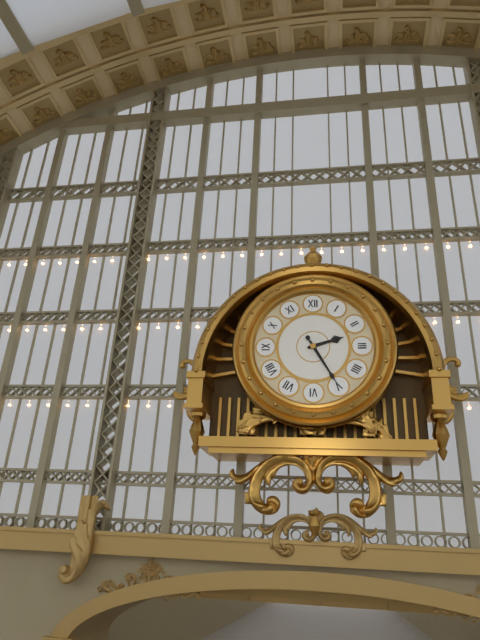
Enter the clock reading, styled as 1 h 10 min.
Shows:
2 h 25 min
